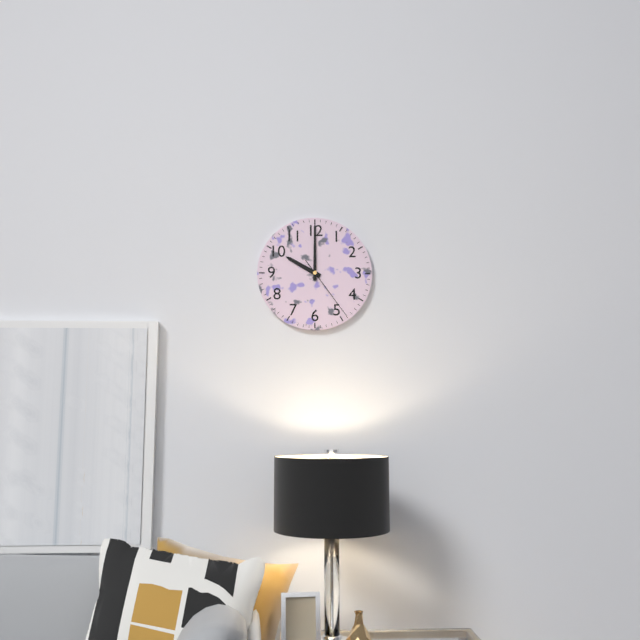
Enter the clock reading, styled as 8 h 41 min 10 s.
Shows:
10 h 00 min 24 s
